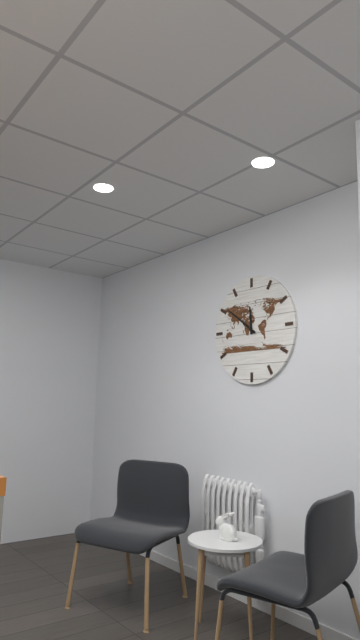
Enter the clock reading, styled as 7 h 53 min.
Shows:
11 h 51 min
